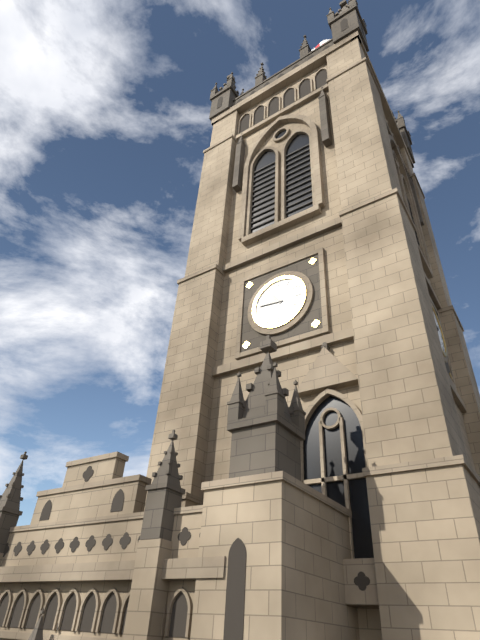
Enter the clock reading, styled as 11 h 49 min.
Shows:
10 h 46 min
